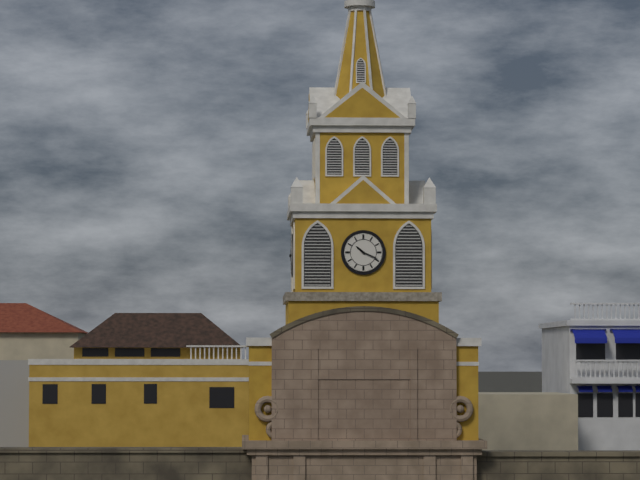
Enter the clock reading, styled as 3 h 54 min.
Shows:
10 h 19 min
